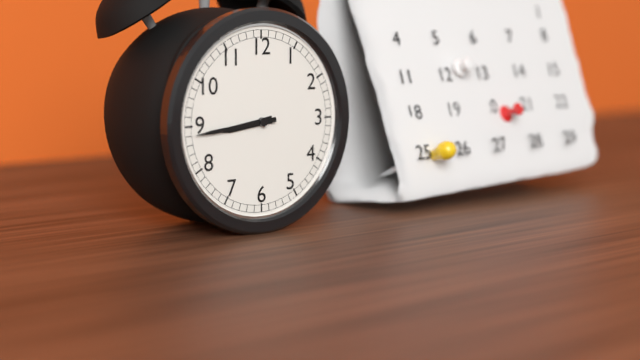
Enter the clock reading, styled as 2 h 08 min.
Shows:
8 h 44 min
